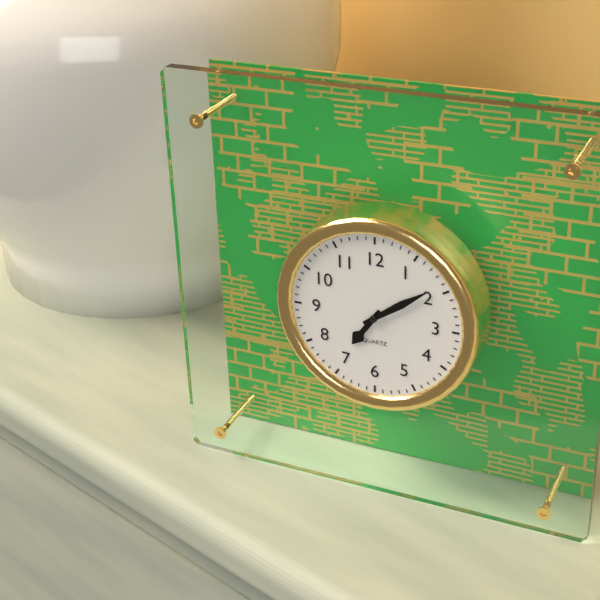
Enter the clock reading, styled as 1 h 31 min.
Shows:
7 h 09 min
